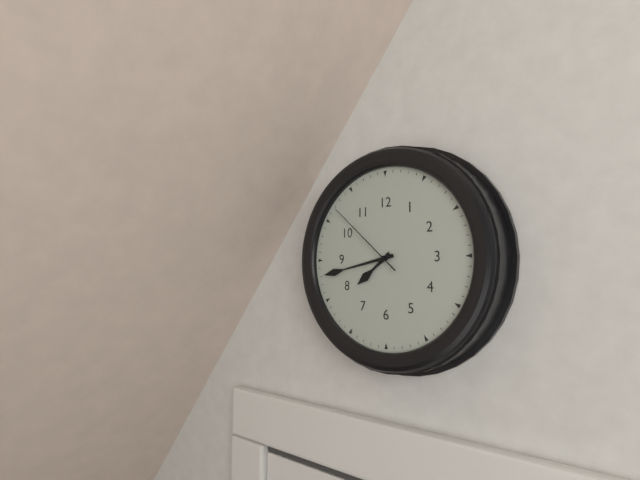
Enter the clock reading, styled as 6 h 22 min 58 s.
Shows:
7 h 43 min 52 s
